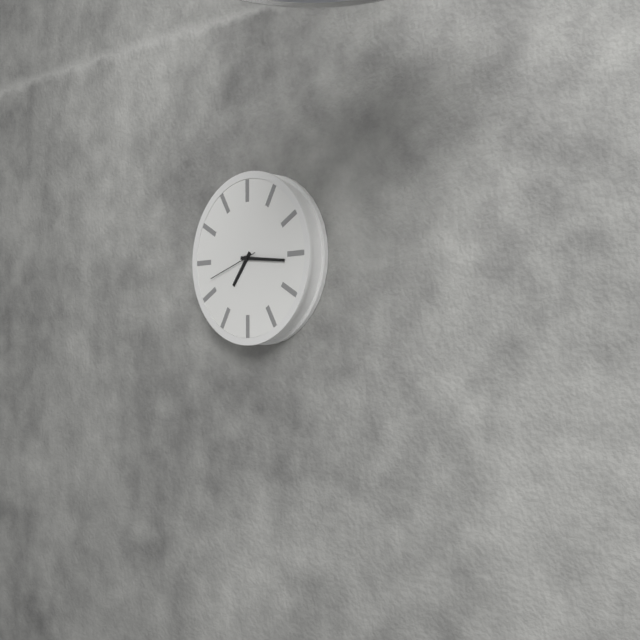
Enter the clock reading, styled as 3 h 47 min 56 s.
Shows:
7 h 16 min 42 s
